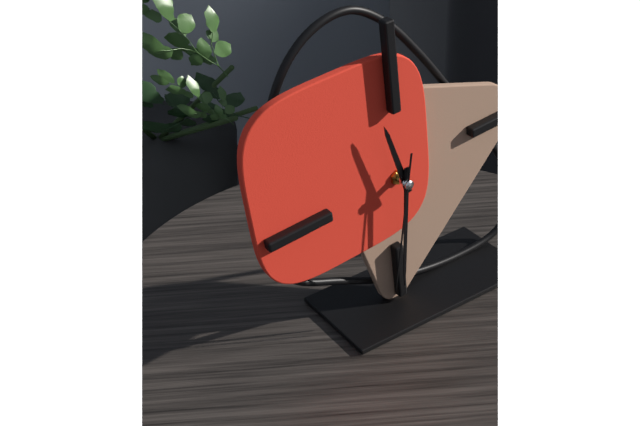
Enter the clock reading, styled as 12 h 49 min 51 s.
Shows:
11 h 31 min 32 s
